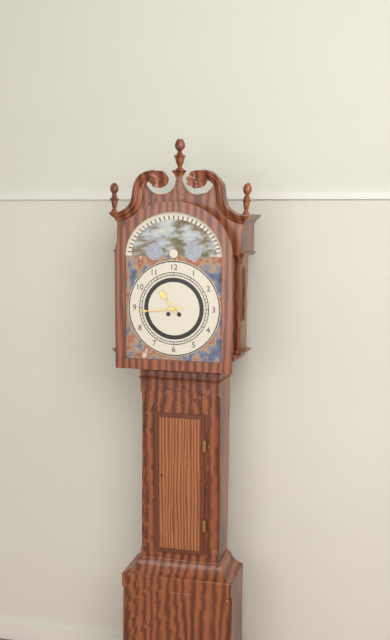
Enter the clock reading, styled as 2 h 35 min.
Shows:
10 h 44 min
